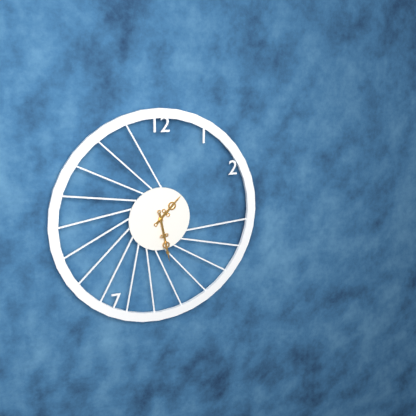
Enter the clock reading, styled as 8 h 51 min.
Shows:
1 h 28 min
